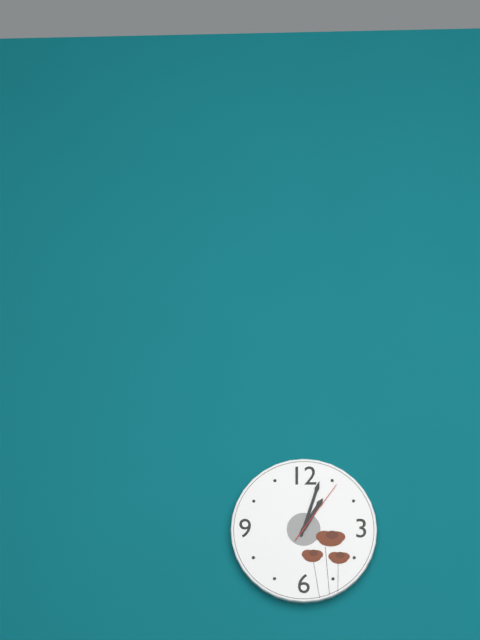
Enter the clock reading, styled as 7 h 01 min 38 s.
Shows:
1 h 03 min 06 s
